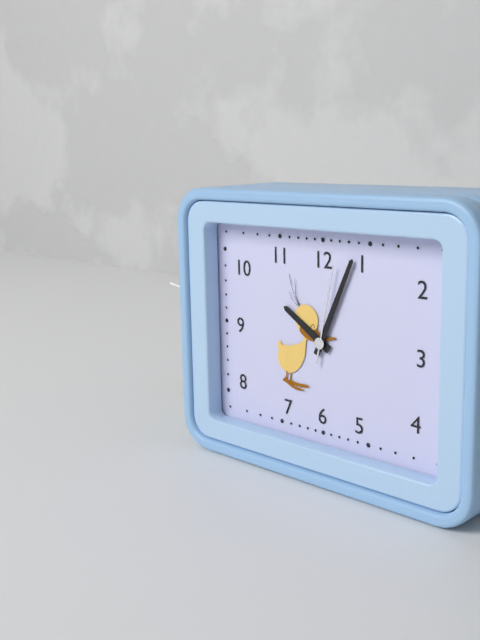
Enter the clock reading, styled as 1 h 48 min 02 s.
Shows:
10 h 04 min 02 s
